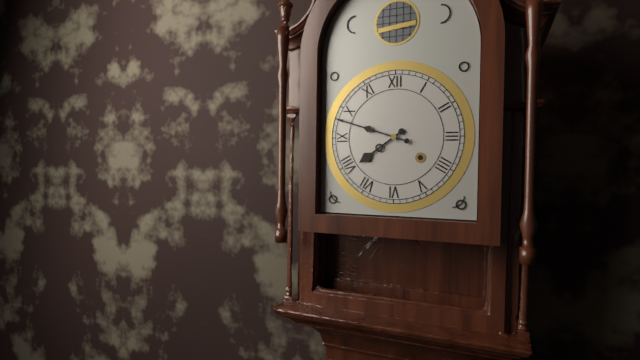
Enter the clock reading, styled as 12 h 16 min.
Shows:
7 h 48 min
